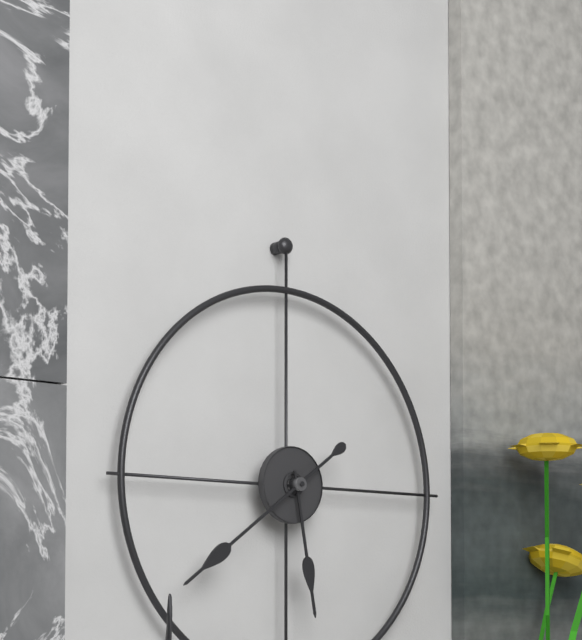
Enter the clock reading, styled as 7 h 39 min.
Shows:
5 h 39 min
